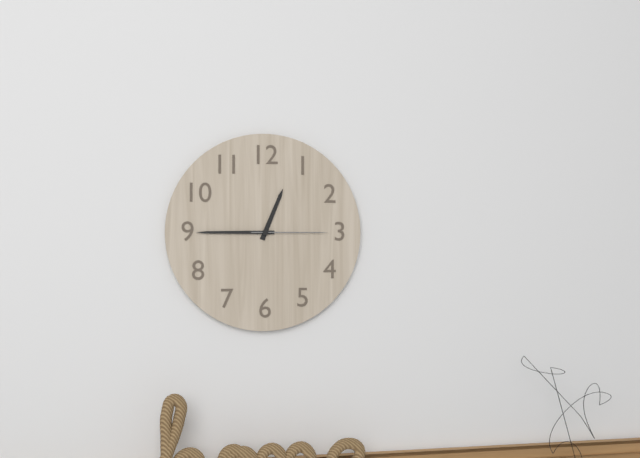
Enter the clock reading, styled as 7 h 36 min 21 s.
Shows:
12 h 45 min 15 s
